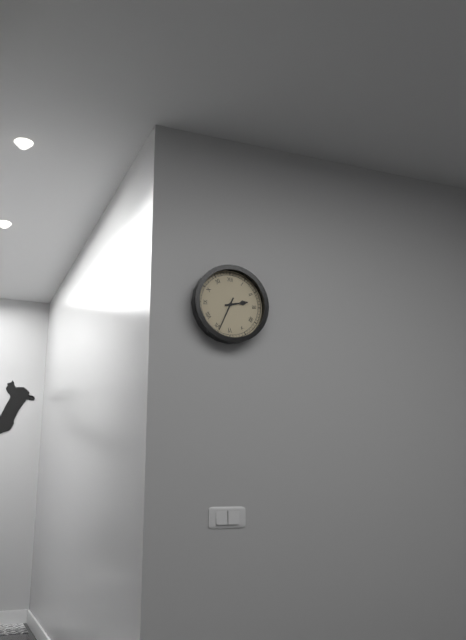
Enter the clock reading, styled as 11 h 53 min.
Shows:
2 h 34 min
